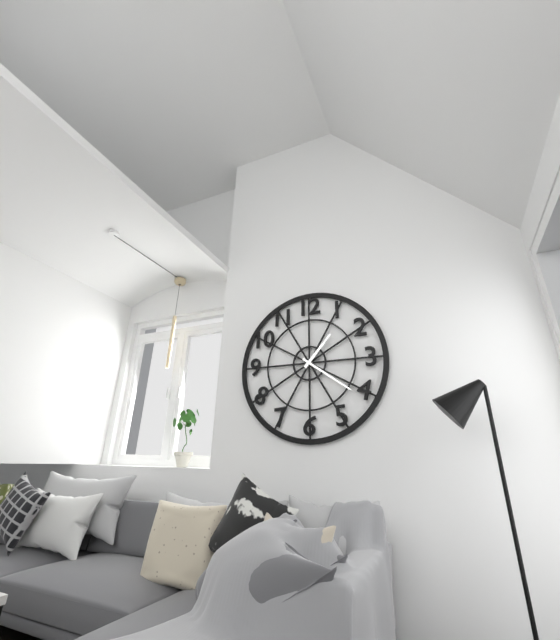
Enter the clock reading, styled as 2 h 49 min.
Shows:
1 h 21 min
